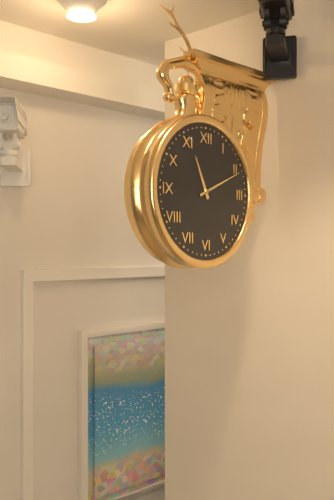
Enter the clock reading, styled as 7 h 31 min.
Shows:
11 h 11 min
